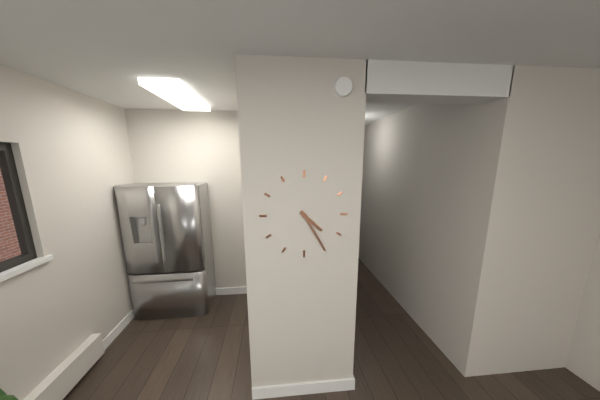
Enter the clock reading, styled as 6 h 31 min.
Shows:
4 h 25 min
